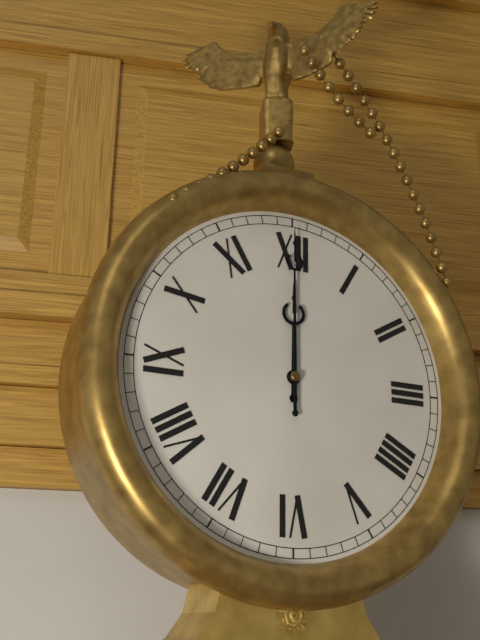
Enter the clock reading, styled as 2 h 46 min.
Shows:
12 h 00 min
